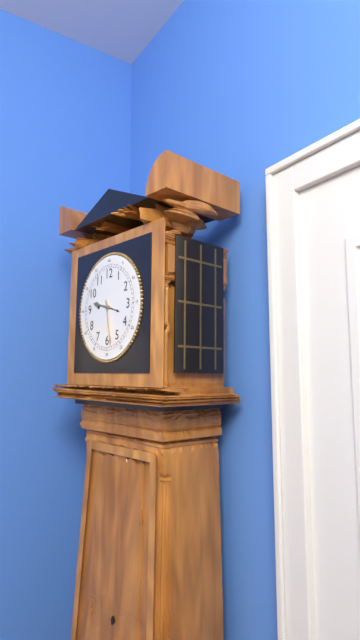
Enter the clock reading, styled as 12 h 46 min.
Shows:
9 h 28 min
